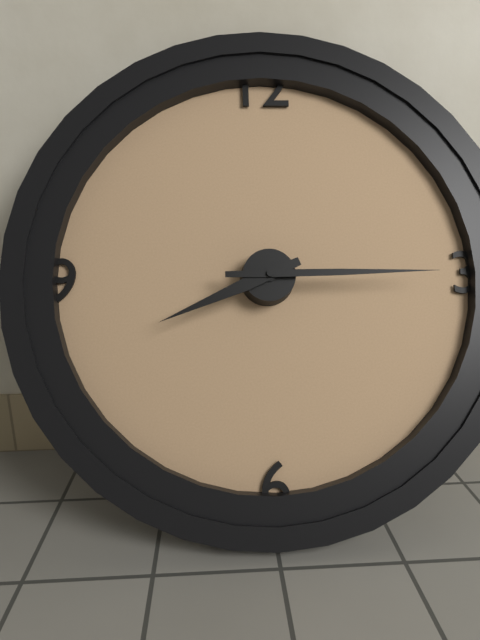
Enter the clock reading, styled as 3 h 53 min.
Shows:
8 h 15 min
